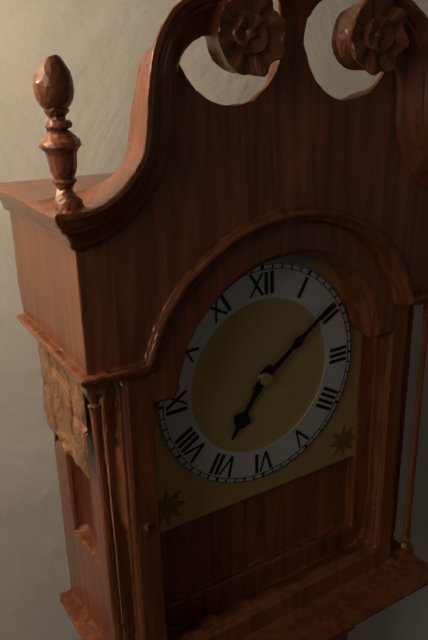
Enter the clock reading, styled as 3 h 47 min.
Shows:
7 h 09 min
